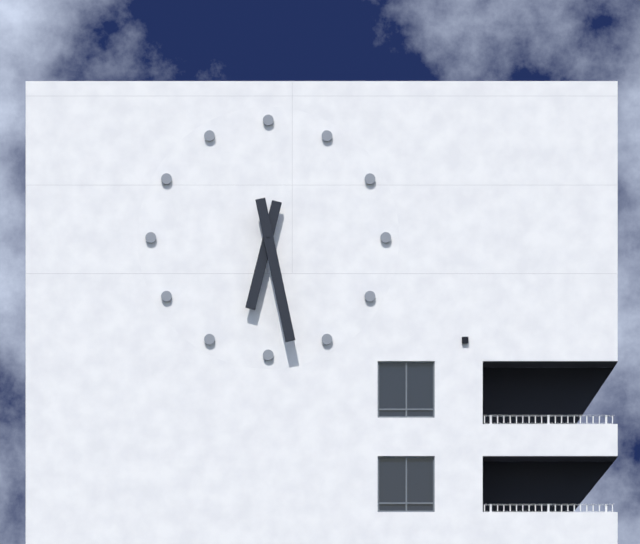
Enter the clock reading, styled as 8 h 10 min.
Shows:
6 h 28 min
